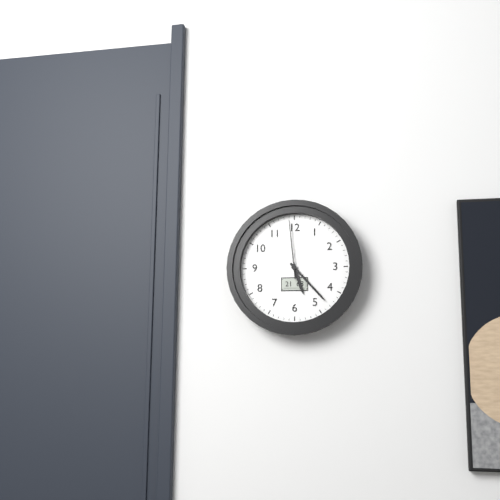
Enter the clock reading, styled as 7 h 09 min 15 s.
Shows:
5 h 23 min 59 s
